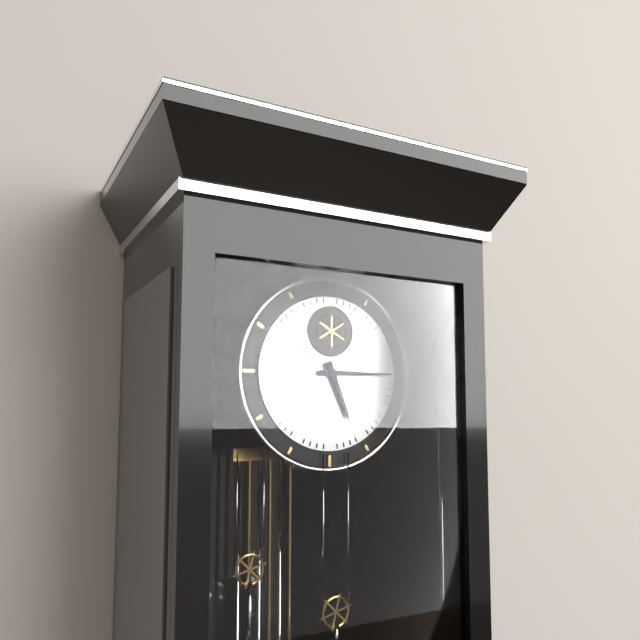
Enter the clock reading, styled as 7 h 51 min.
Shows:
5 h 15 min
